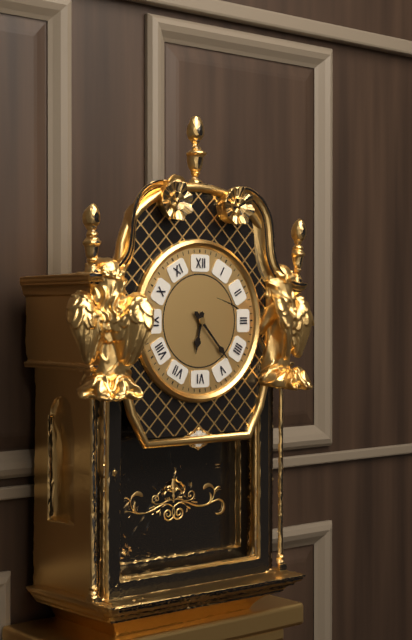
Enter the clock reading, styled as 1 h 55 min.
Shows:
6 h 23 min
